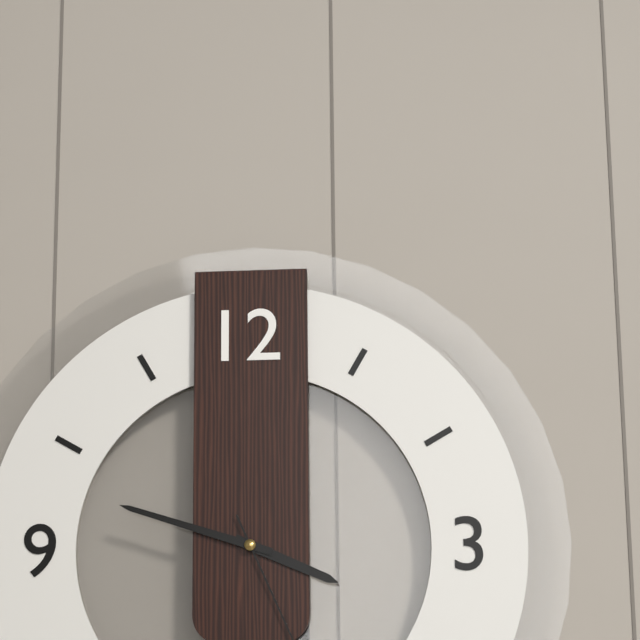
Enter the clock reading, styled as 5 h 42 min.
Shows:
3 h 48 min
